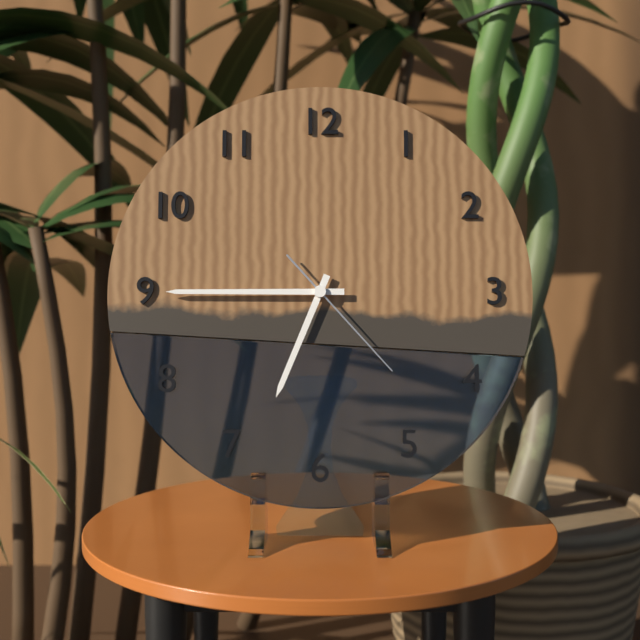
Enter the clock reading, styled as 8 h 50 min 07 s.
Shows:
6 h 45 min 23 s
